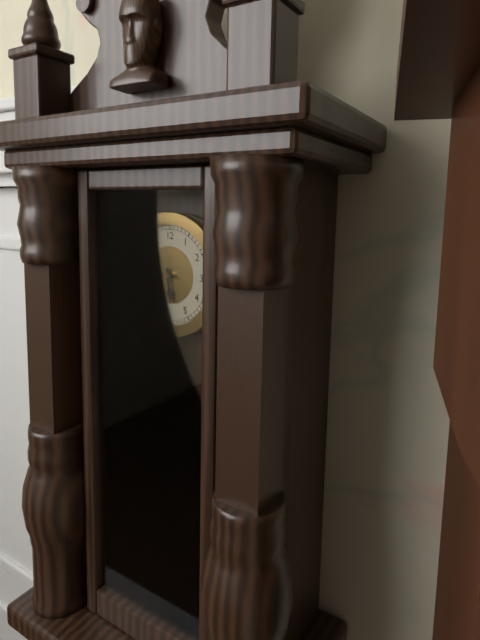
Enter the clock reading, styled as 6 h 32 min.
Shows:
5 h 46 min
